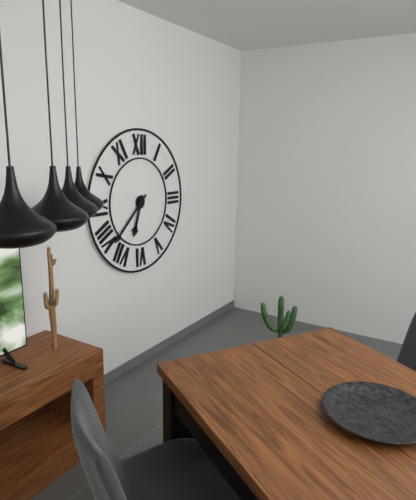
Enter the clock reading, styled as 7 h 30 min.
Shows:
6 h 38 min
